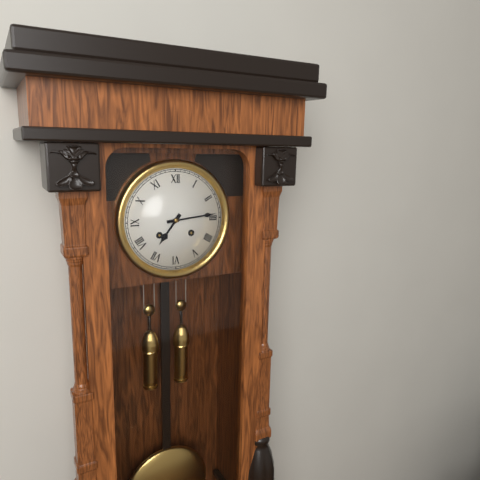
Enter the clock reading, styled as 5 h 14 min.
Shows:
7 h 14 min
